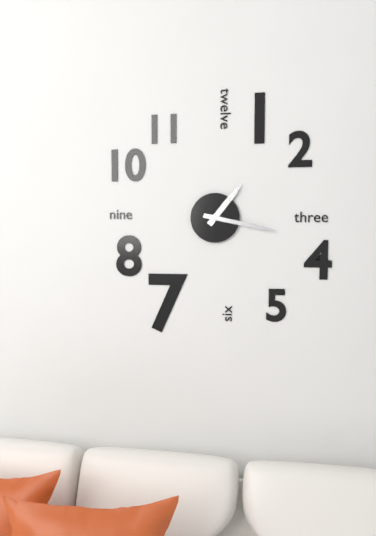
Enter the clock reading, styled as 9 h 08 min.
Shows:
1 h 17 min
